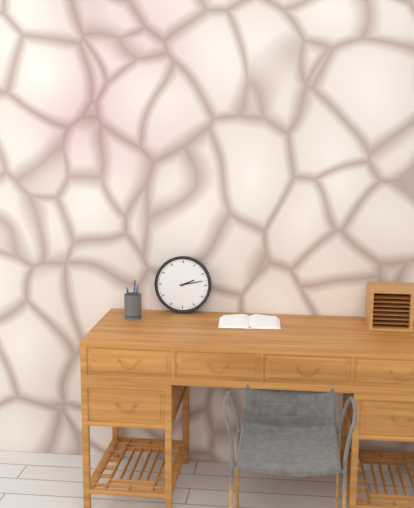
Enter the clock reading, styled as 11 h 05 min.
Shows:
2 h 13 min
